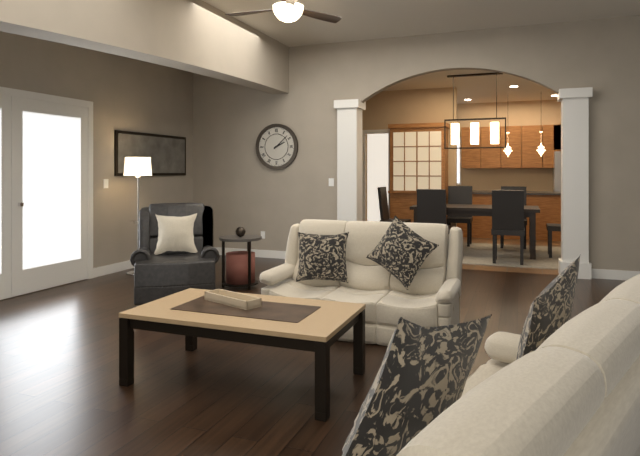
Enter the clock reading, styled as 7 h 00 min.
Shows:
2 h 08 min
